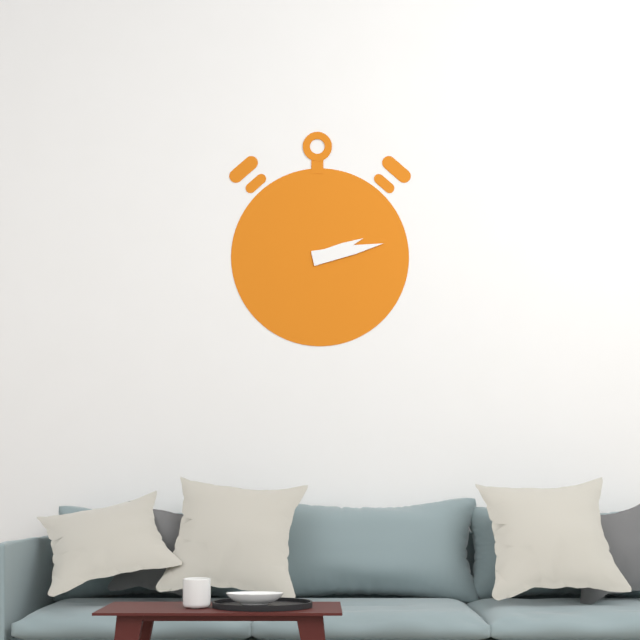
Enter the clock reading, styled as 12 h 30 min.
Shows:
2 h 13 min
